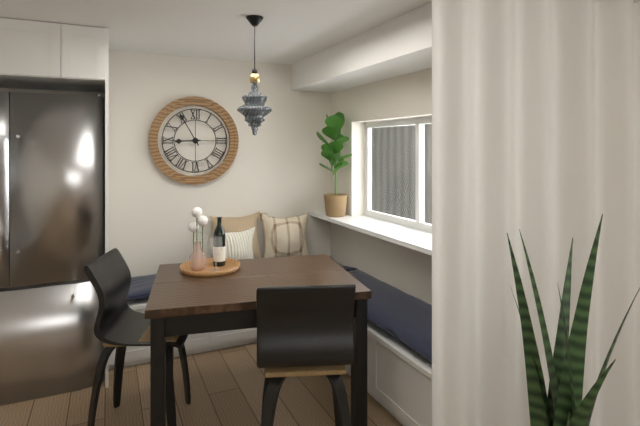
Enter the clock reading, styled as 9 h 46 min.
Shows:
8 h 55 min
